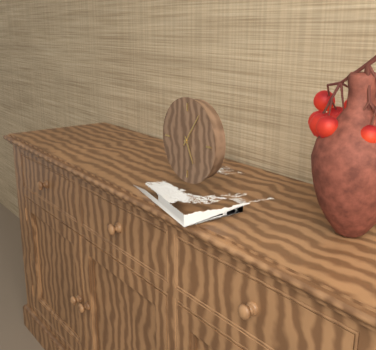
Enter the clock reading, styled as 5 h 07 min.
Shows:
5 h 06 min
